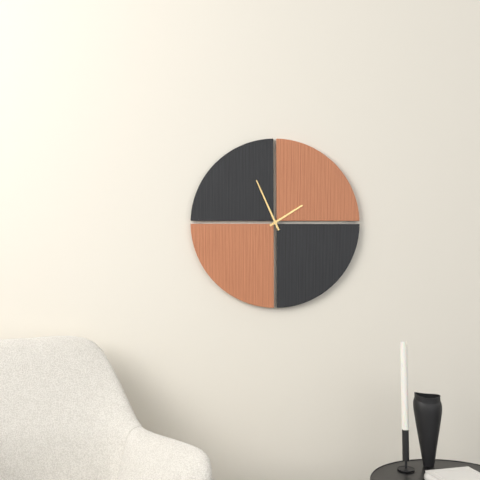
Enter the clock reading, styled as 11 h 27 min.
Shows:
1 h 56 min
